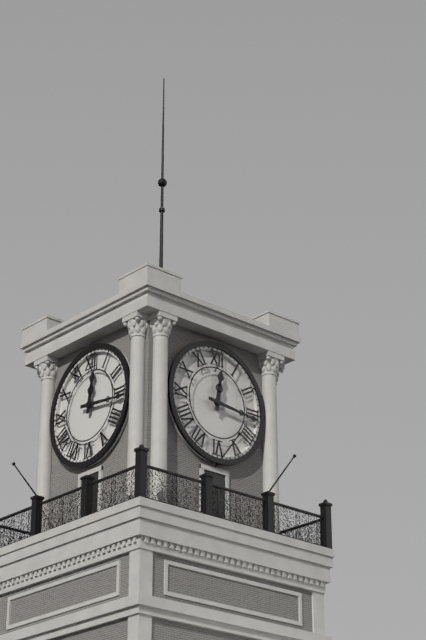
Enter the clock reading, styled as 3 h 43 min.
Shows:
12 h 16 min
